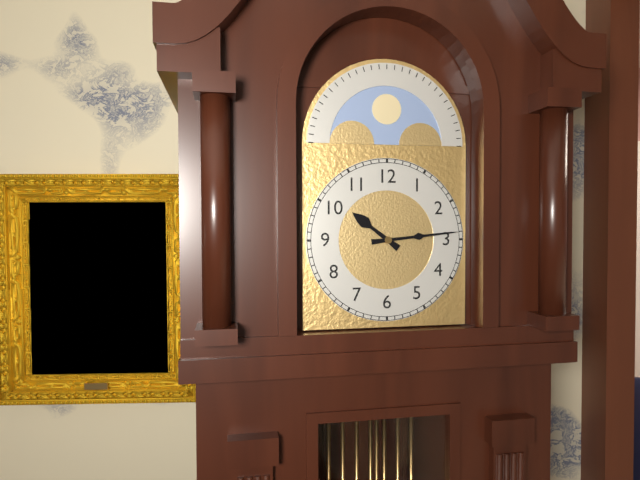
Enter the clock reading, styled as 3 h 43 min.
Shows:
10 h 14 min
